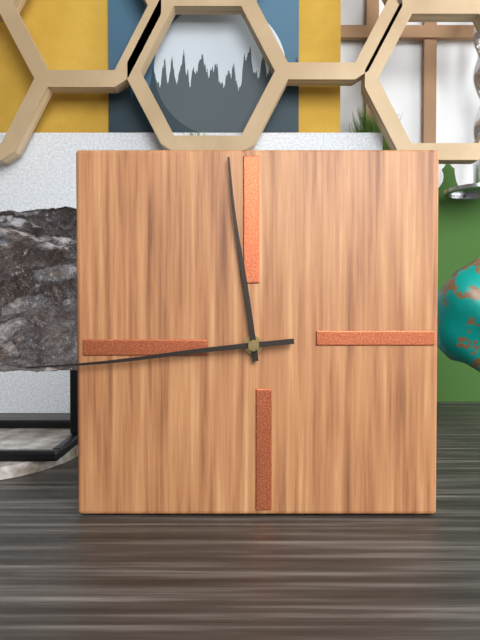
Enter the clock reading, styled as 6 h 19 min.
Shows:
11 h 44 min
